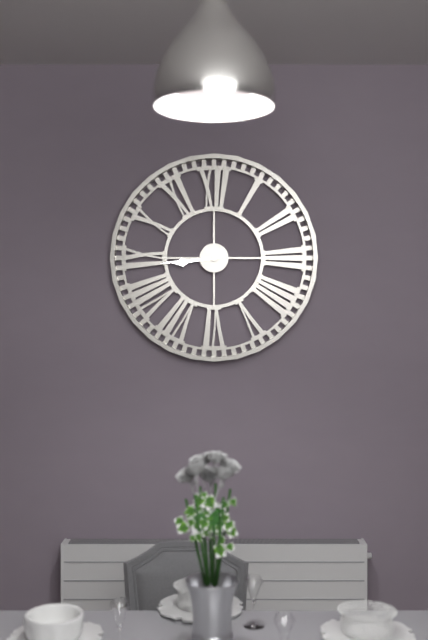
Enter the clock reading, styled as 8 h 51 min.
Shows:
8 h 44 min
